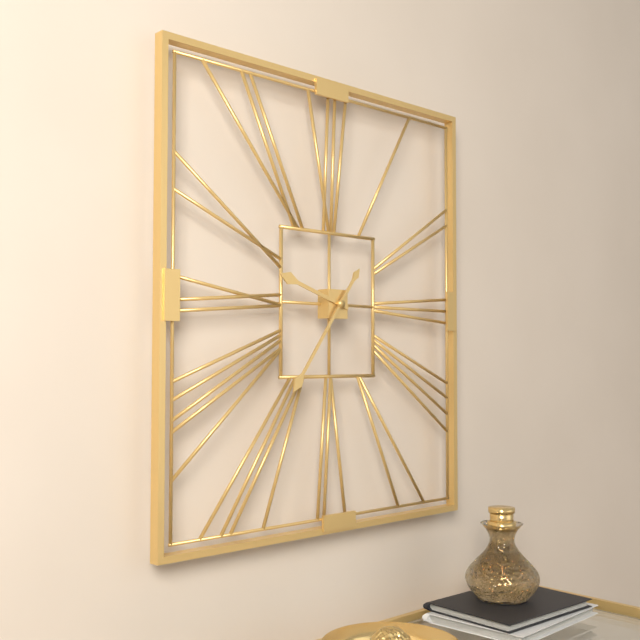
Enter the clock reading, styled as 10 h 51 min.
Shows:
9 h 36 min
